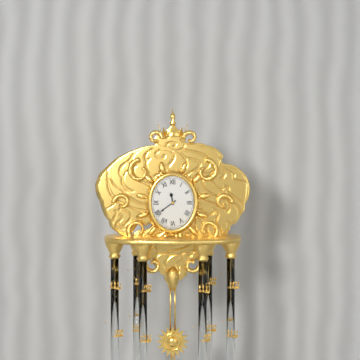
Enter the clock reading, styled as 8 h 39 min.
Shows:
11 h 39 min
